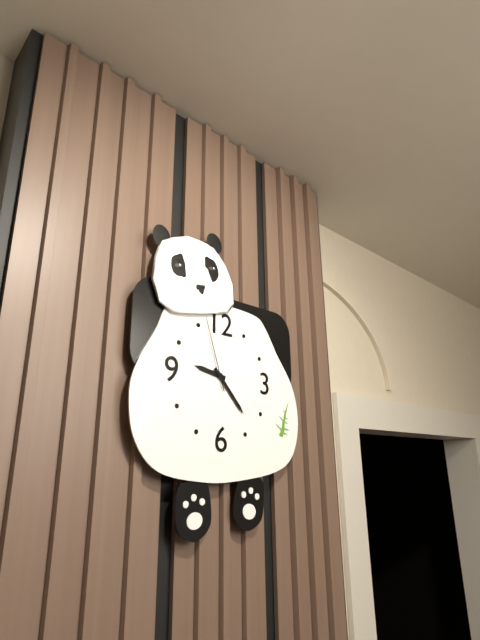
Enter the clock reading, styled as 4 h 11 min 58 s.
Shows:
9 h 23 min 57 s
